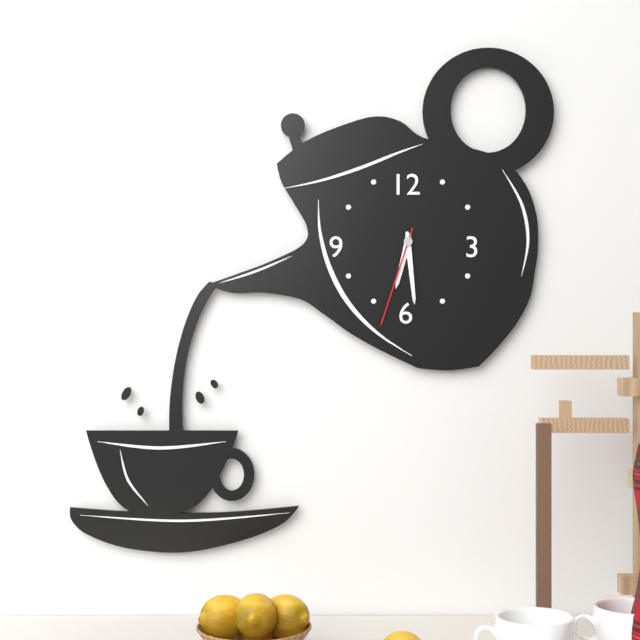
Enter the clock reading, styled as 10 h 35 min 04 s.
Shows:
6 h 29 min 33 s
